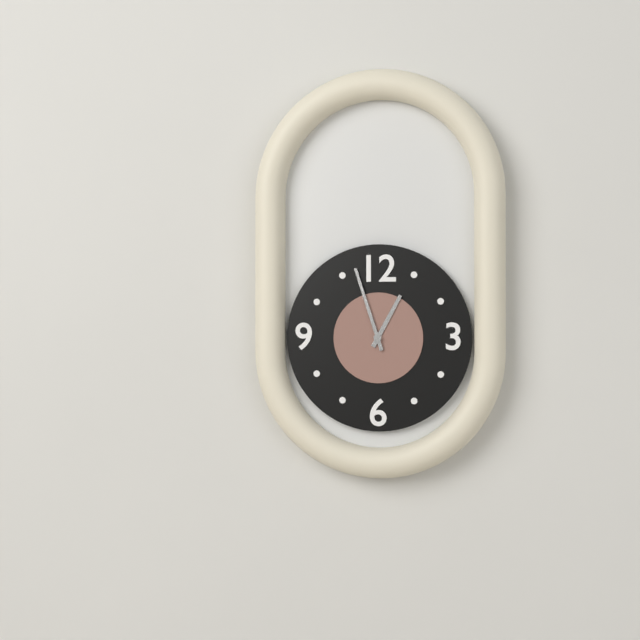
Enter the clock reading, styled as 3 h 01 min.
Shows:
12 h 57 min
